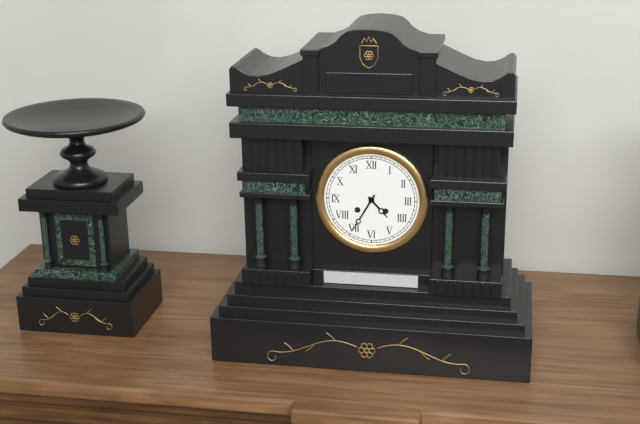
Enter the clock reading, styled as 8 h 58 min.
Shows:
4 h 35 min
